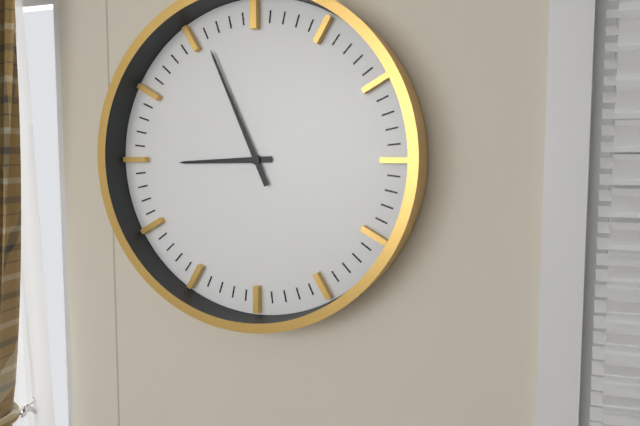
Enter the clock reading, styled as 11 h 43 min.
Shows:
8 h 56 min
